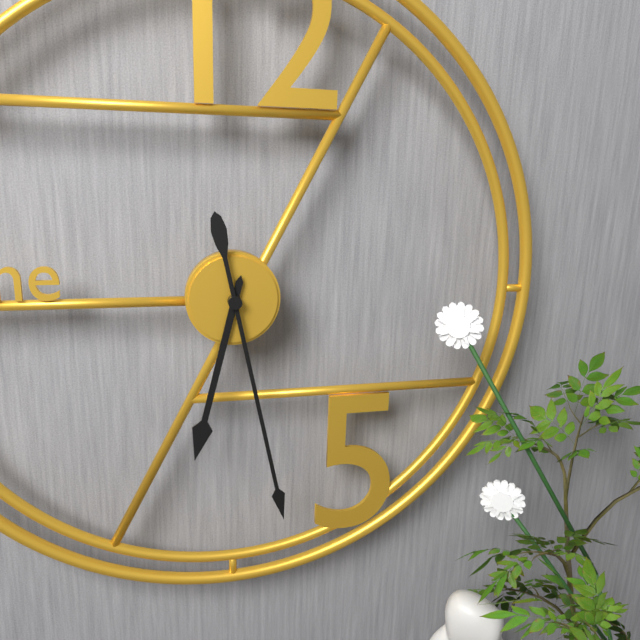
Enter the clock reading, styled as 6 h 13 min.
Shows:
6 h 28 min
